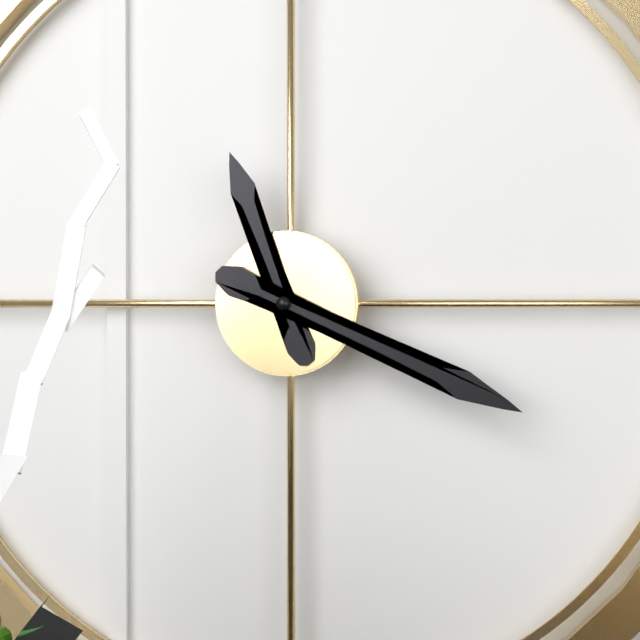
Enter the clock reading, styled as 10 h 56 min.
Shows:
11 h 19 min
